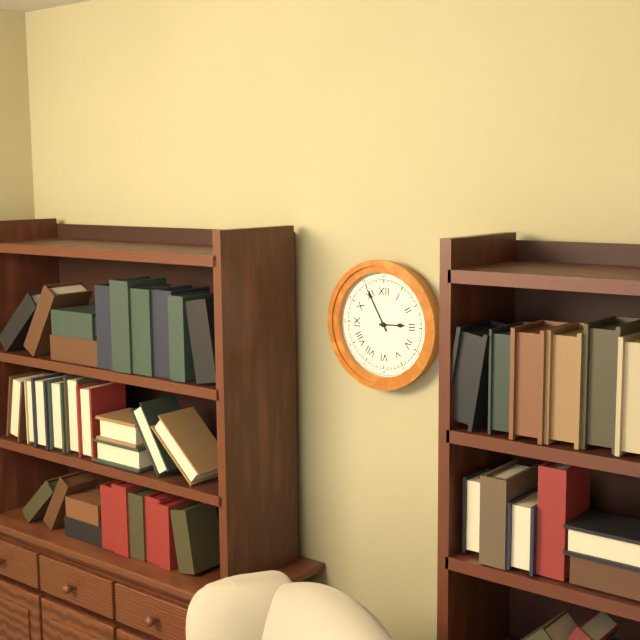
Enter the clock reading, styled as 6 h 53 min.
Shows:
2 h 55 min
